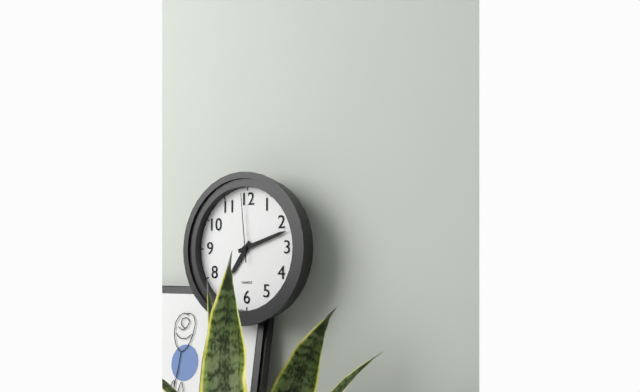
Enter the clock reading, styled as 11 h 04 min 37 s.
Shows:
7 h 12 min 59 s
